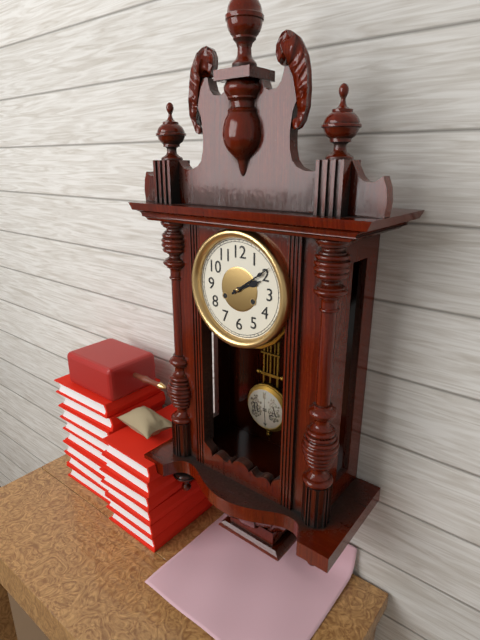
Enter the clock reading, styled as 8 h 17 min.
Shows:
2 h 09 min
